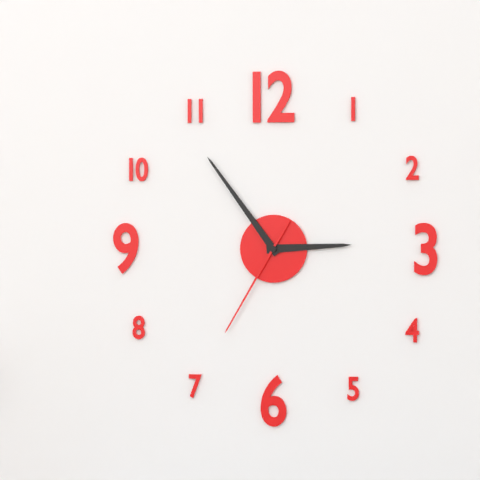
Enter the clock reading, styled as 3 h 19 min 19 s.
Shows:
2 h 54 min 35 s
